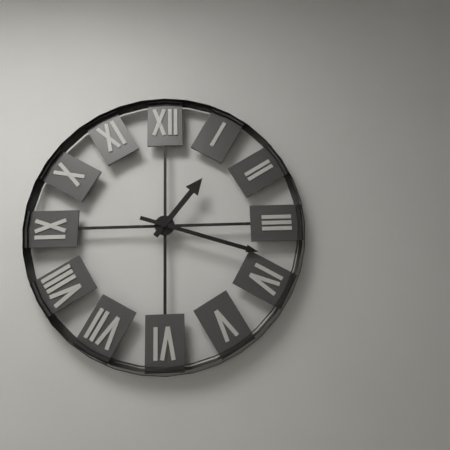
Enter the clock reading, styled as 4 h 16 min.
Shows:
1 h 18 min
